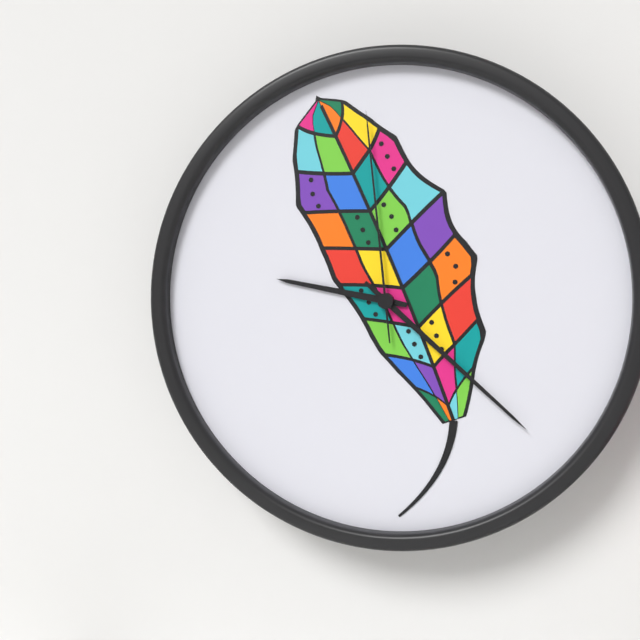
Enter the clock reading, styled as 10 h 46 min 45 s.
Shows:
9 h 22 min 59 s
